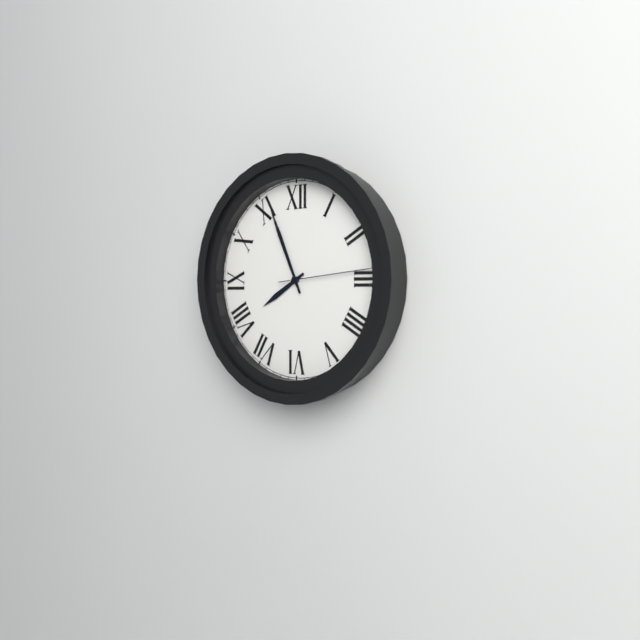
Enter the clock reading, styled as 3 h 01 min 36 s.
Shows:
7 h 56 min 14 s
